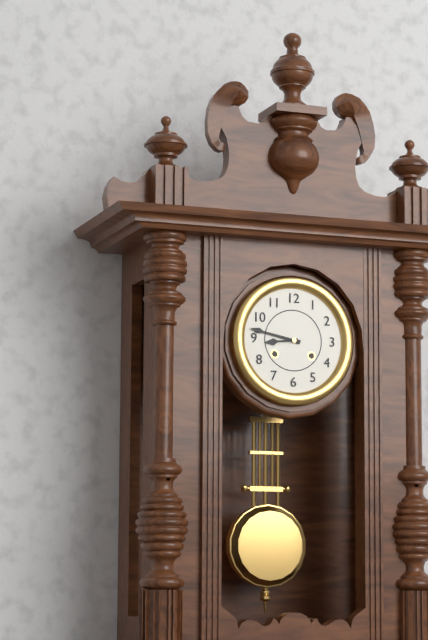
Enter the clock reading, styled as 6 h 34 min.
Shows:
8 h 47 min
